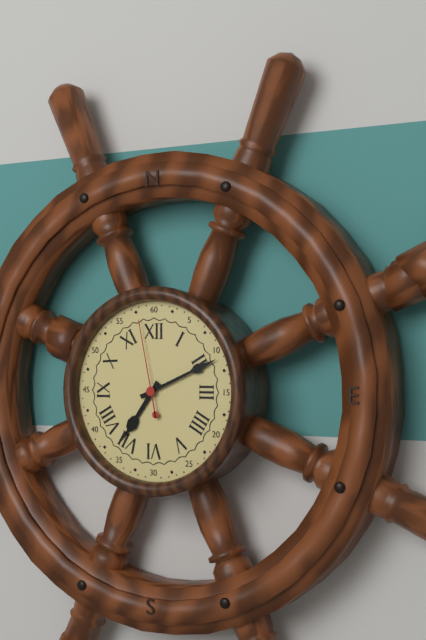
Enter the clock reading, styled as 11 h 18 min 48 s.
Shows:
7 h 11 min 58 s
